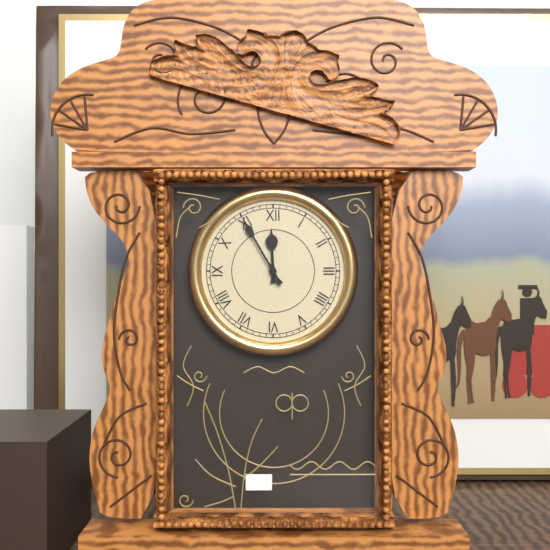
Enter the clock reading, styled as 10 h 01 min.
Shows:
11 h 55 min
